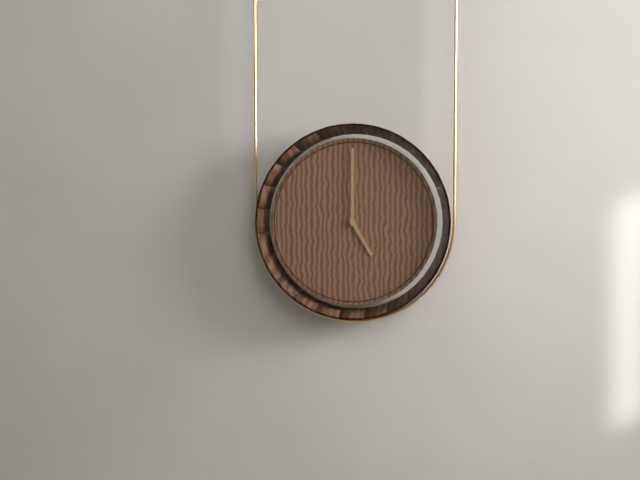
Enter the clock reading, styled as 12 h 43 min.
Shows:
5 h 00 min
